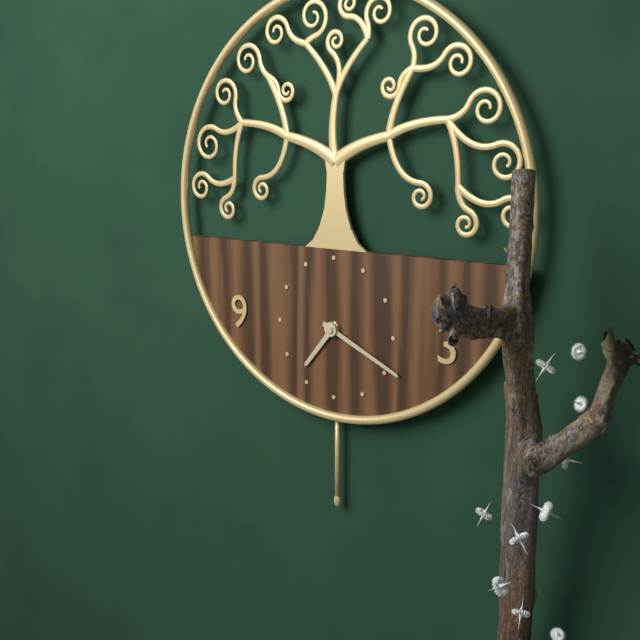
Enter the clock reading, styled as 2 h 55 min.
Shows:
7 h 19 min
